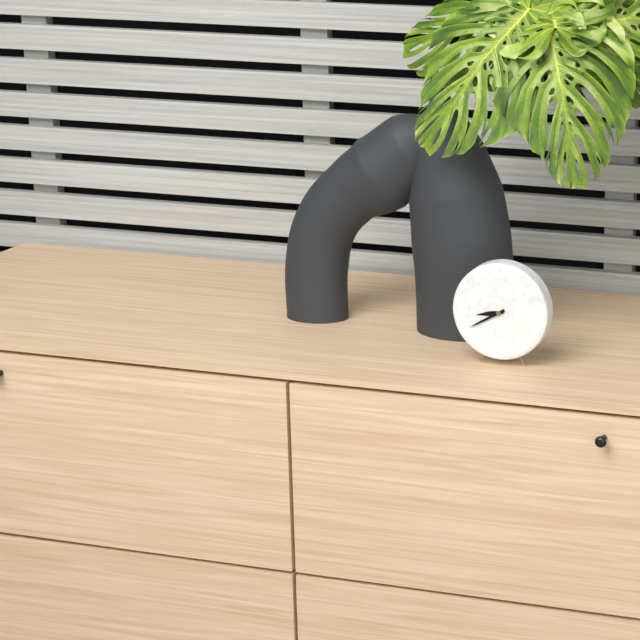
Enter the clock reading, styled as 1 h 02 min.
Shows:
8 h 40 min
